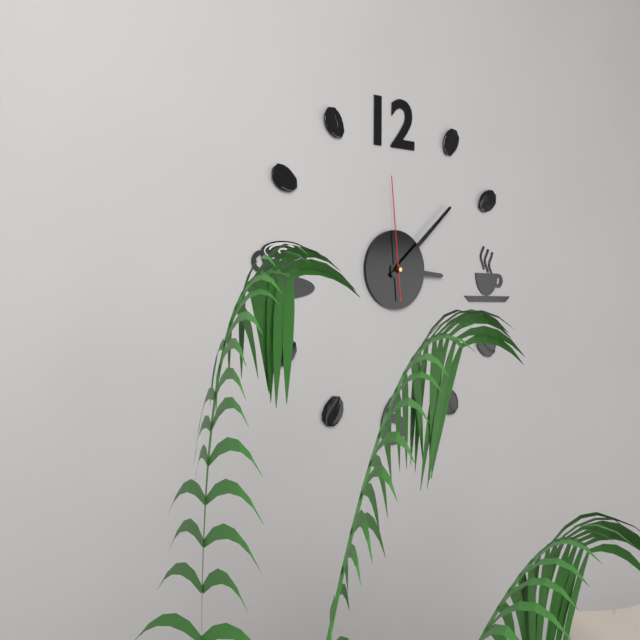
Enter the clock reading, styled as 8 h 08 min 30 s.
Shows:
3 h 08 min 59 s
